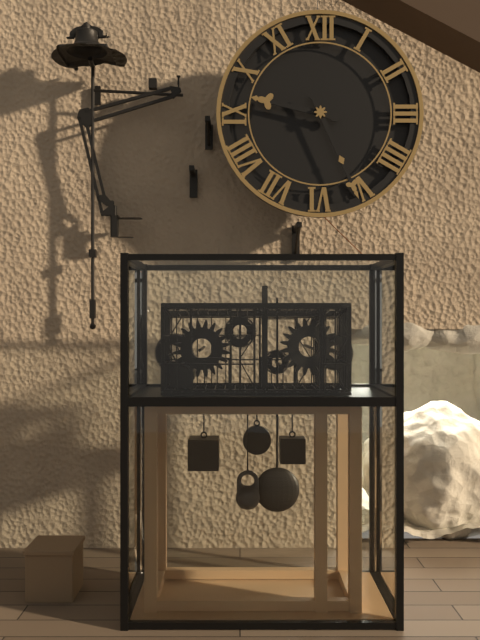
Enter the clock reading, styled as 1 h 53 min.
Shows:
9 h 26 min
